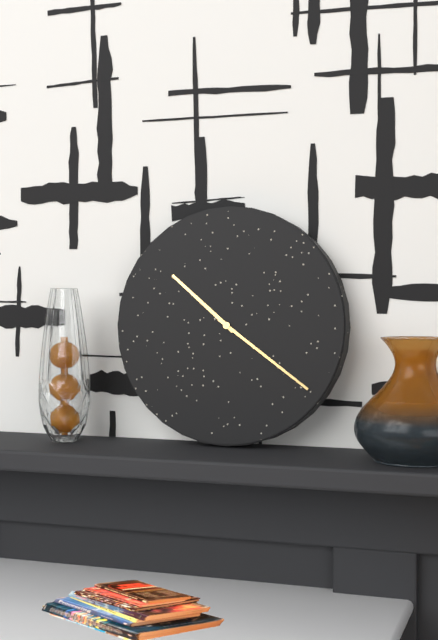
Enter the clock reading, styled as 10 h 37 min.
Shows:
10 h 21 min
